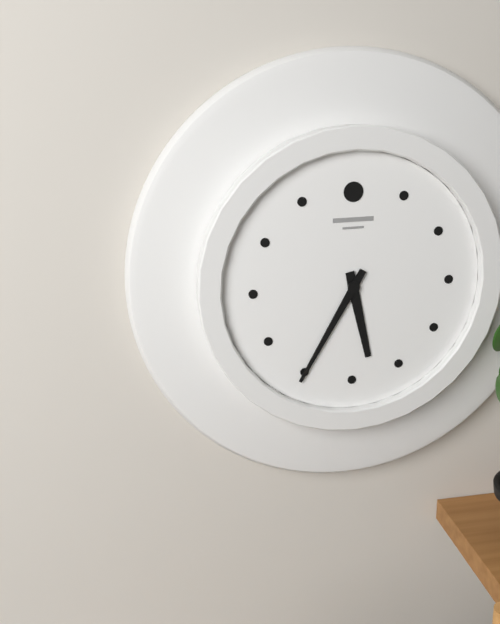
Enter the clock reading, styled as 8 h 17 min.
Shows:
5 h 35 min
